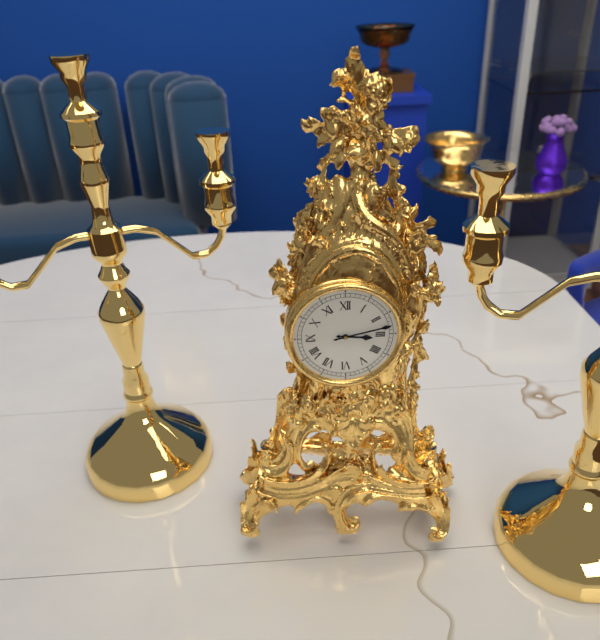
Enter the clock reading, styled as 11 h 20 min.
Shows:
3 h 13 min
